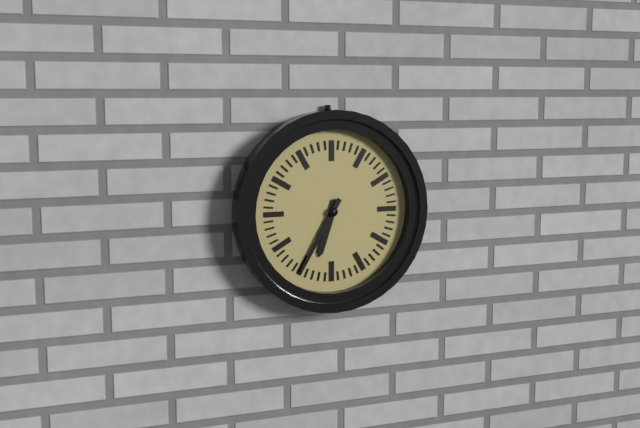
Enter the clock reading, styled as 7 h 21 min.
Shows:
6 h 35 min
